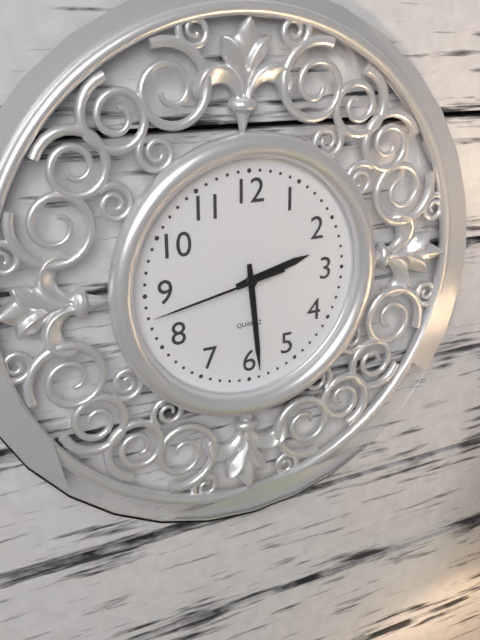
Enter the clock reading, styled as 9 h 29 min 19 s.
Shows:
2 h 29 min 43 s
